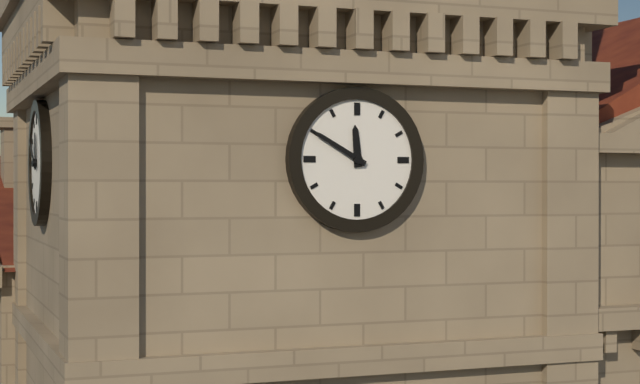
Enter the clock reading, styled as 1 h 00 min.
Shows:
11 h 50 min
